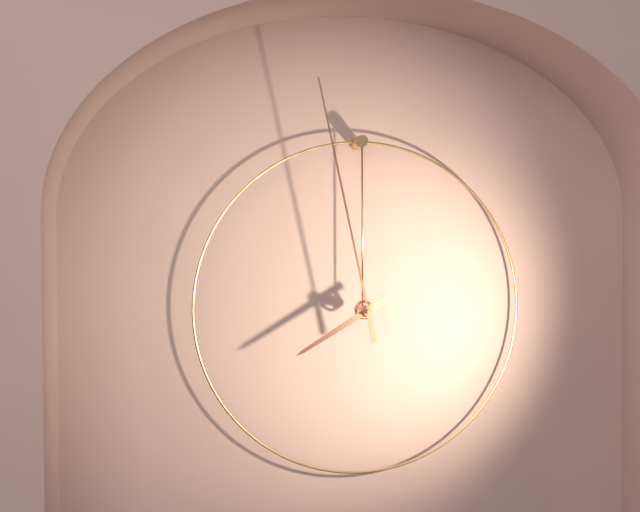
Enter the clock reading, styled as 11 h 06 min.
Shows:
7 h 58 min
